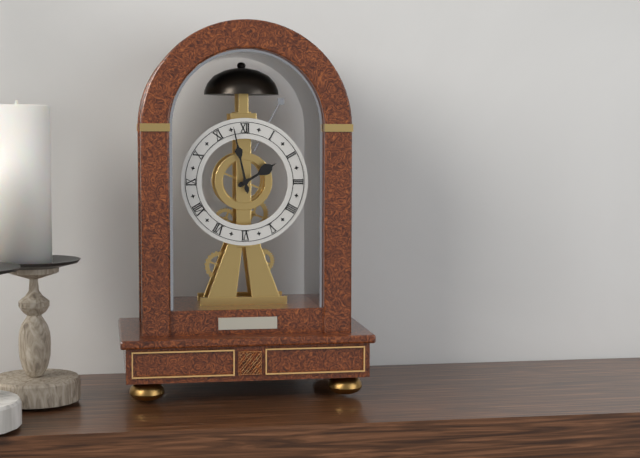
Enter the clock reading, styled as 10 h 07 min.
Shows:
1 h 58 min
